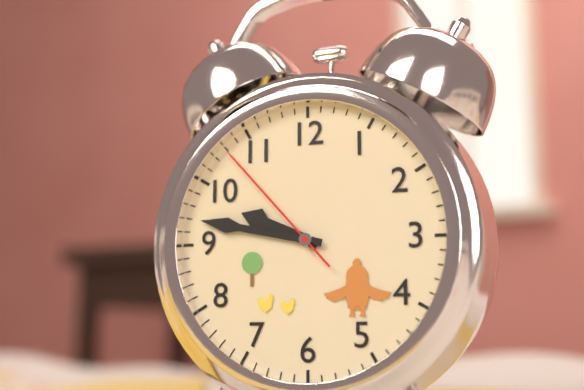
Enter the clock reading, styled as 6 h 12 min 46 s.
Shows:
9 h 47 min 53 s
